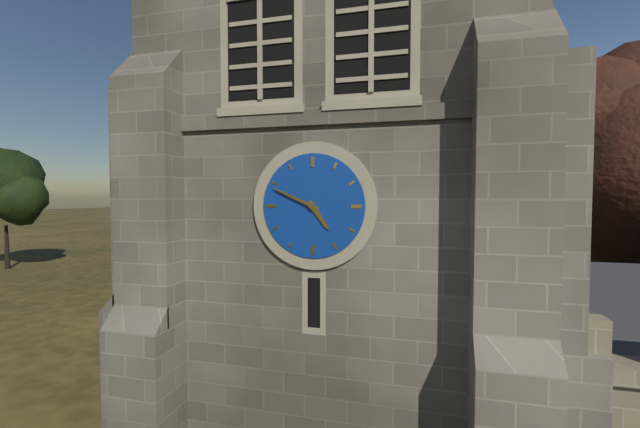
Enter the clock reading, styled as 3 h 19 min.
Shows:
4 h 49 min
